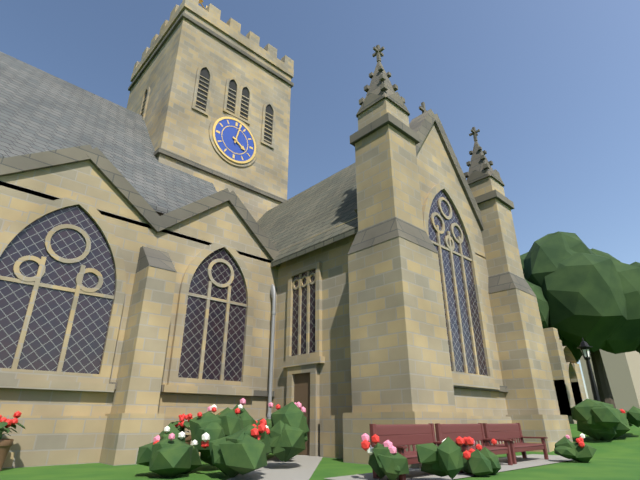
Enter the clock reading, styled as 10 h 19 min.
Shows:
4 h 02 min
